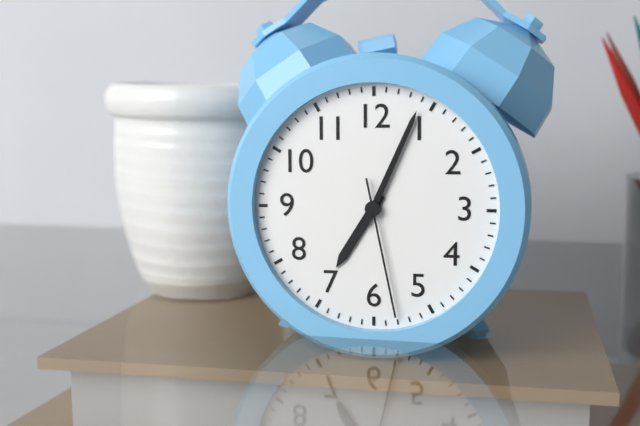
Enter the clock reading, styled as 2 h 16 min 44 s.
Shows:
7 h 04 min 28 s
